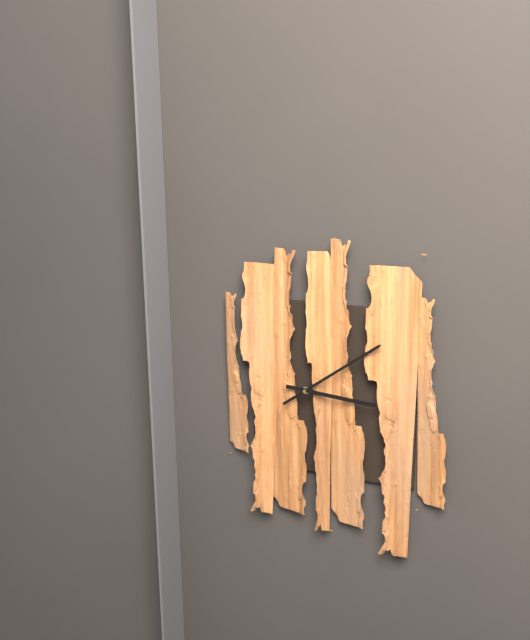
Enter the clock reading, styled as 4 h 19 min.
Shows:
3 h 09 min
